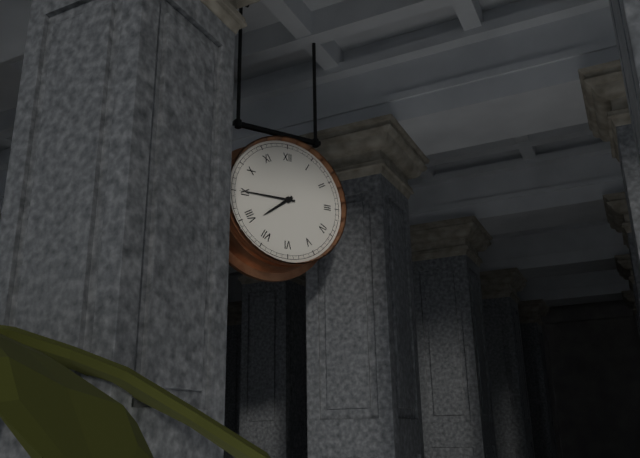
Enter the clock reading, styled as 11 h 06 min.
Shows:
7 h 45 min
